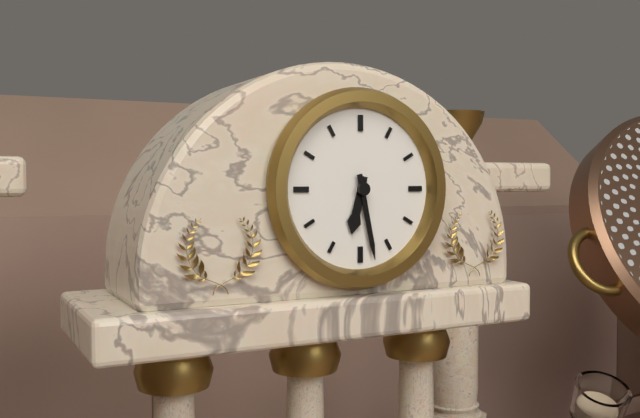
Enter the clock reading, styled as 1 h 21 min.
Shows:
6 h 28 min
